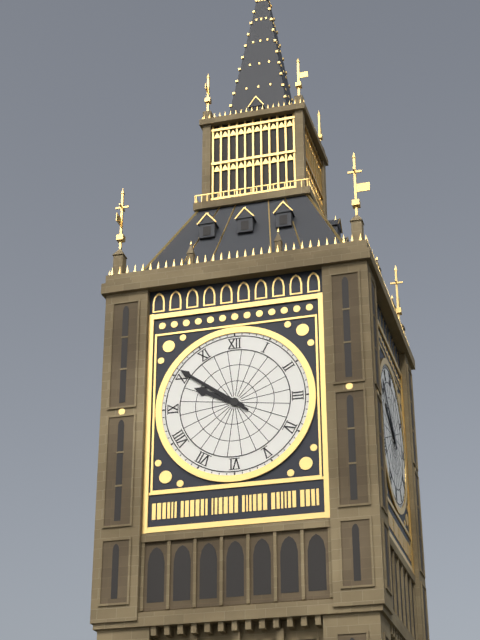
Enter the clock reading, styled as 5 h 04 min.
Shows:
9 h 51 min
